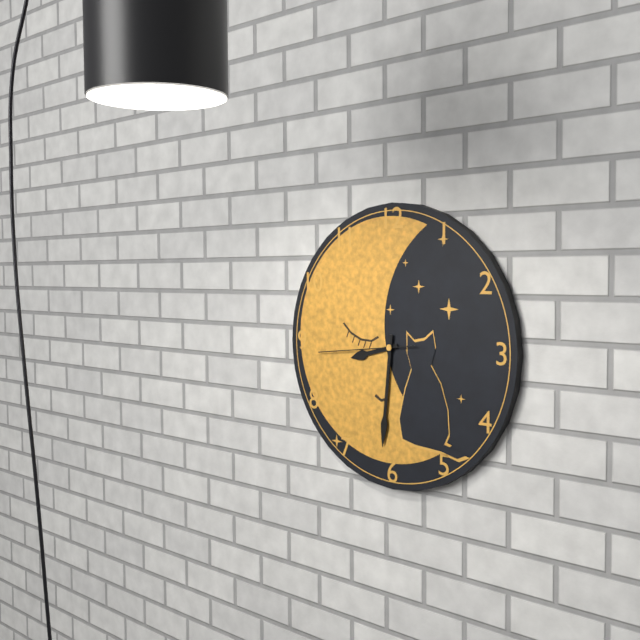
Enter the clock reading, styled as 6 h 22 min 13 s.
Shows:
8 h 31 min 44 s
